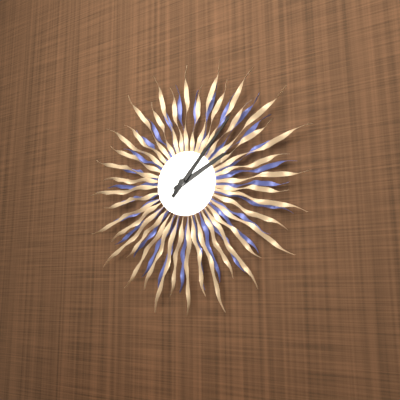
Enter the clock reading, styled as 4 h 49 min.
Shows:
2 h 07 min
